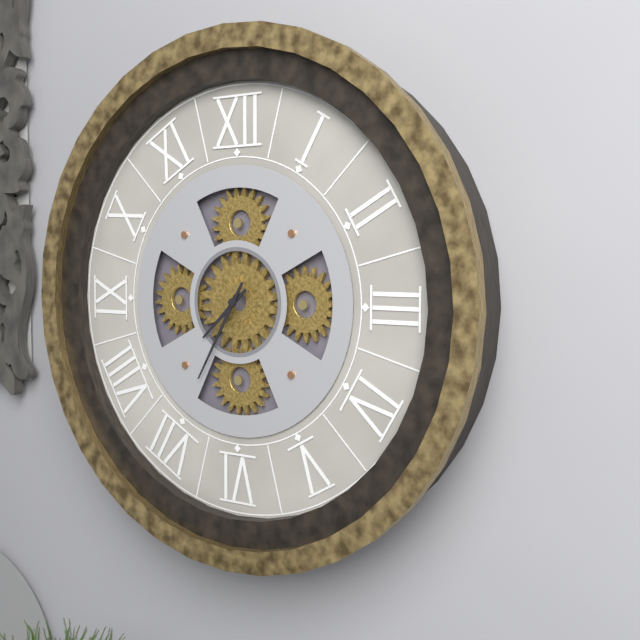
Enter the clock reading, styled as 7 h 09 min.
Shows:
7 h 35 min
